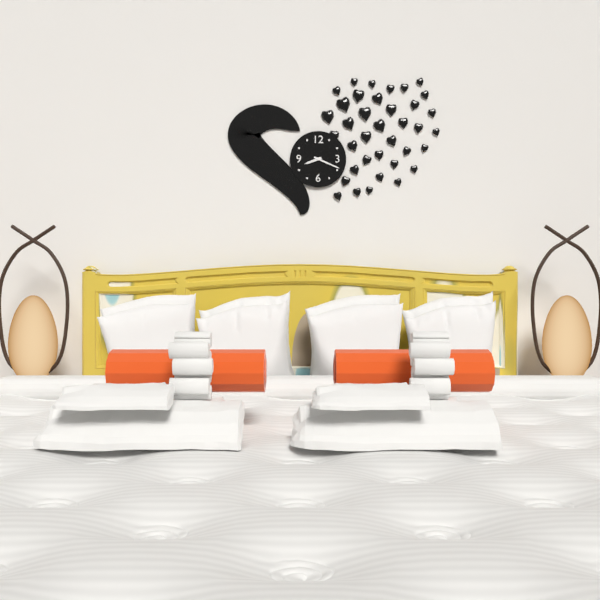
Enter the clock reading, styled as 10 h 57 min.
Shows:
8 h 19 min
